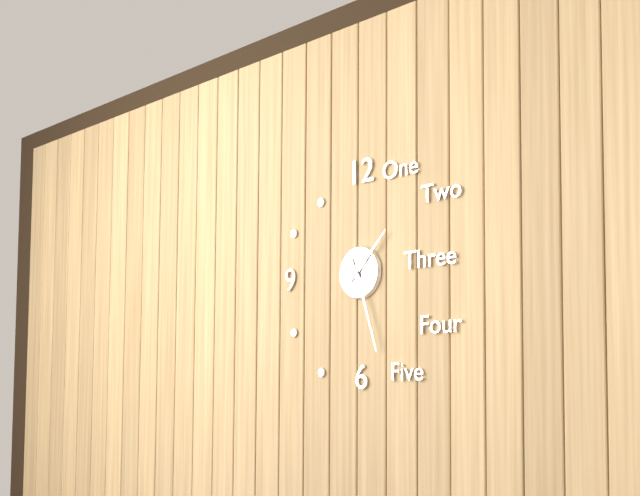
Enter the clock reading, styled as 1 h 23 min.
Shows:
1 h 27 min
